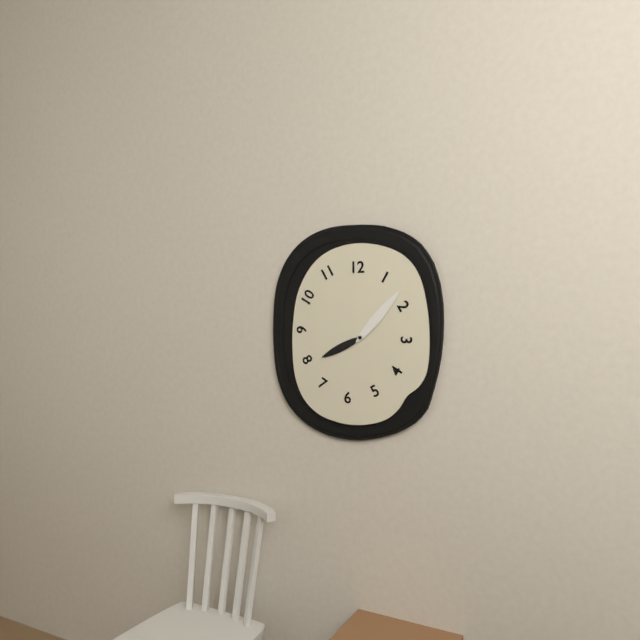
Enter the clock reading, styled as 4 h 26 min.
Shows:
8 h 07 min
